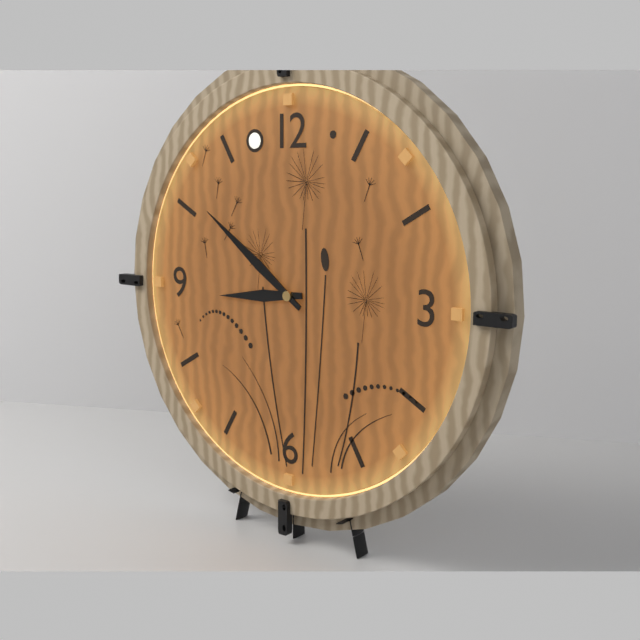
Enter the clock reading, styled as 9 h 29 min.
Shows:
8 h 51 min
